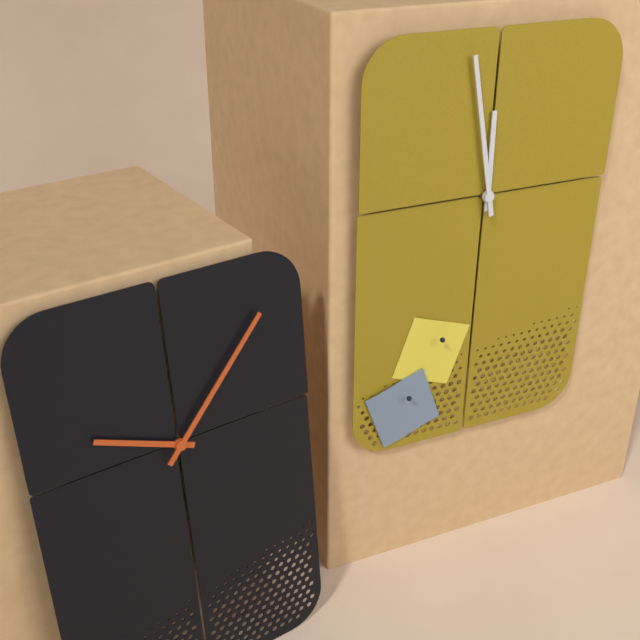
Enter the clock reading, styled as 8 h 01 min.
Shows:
11 h 58 min
